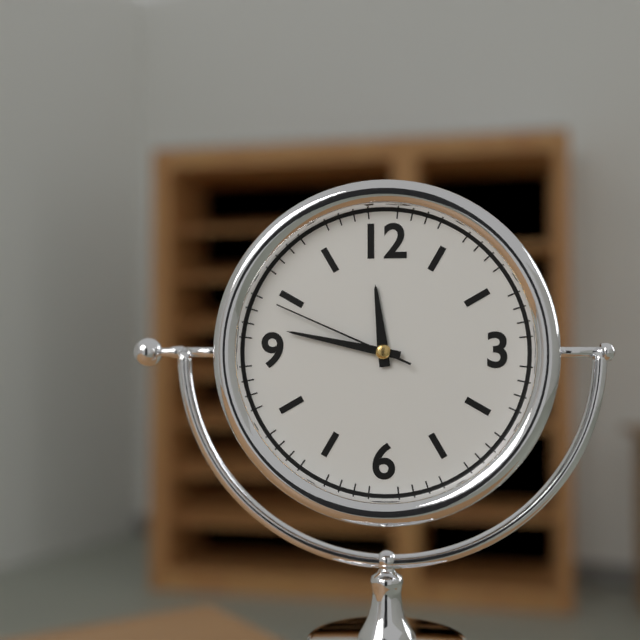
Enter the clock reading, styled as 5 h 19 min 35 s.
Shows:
11 h 47 min 49 s
